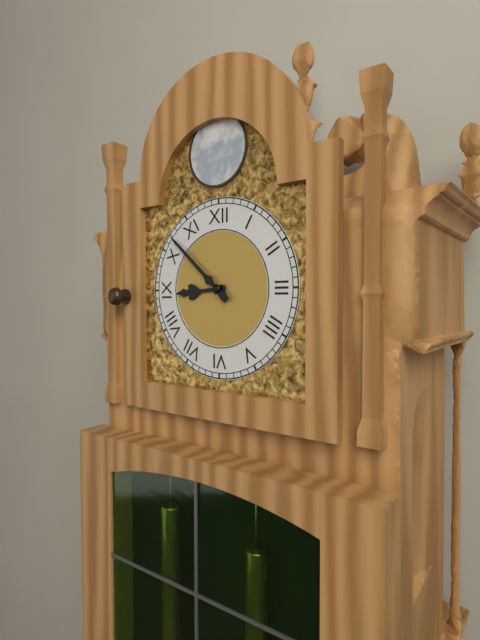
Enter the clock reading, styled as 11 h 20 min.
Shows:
8 h 52 min
